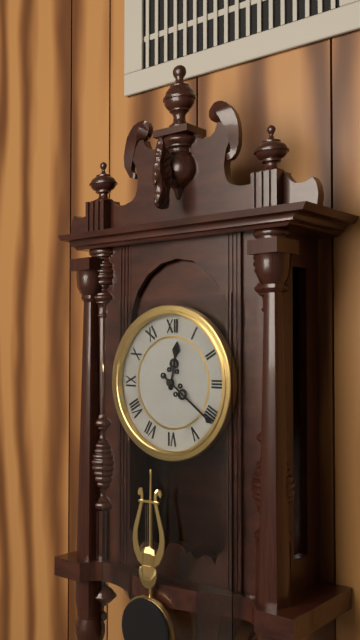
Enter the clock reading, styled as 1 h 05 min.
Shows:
12 h 21 min
